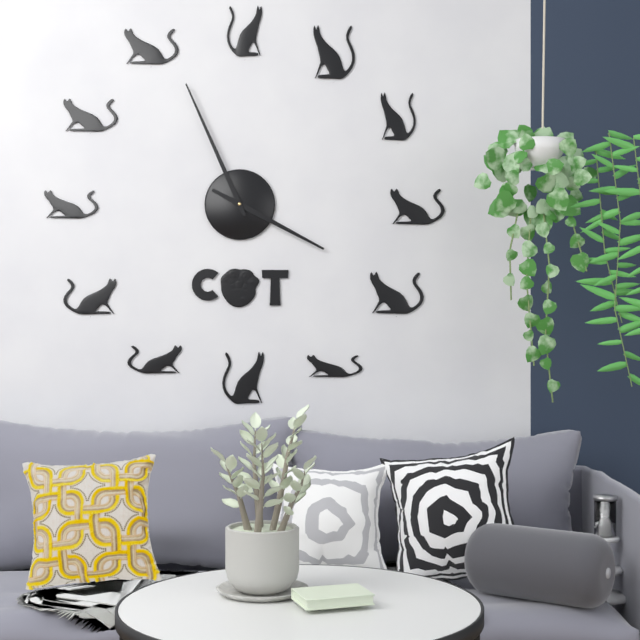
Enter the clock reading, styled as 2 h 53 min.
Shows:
3 h 56 min
